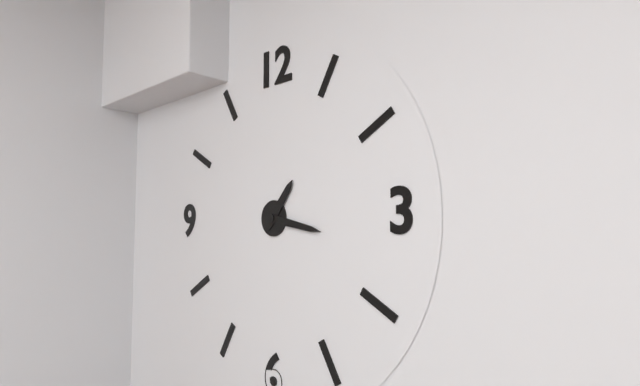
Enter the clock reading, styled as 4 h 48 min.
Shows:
1 h 17 min
